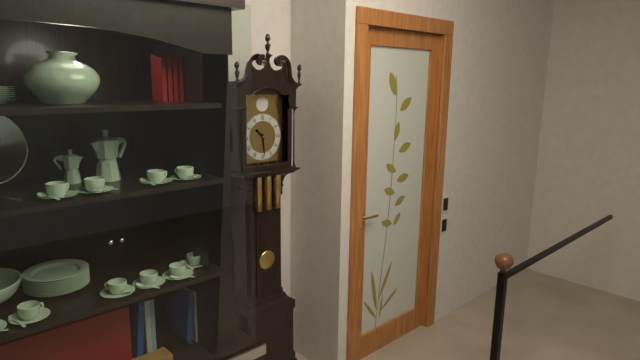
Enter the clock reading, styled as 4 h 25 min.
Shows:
10 h 29 min
